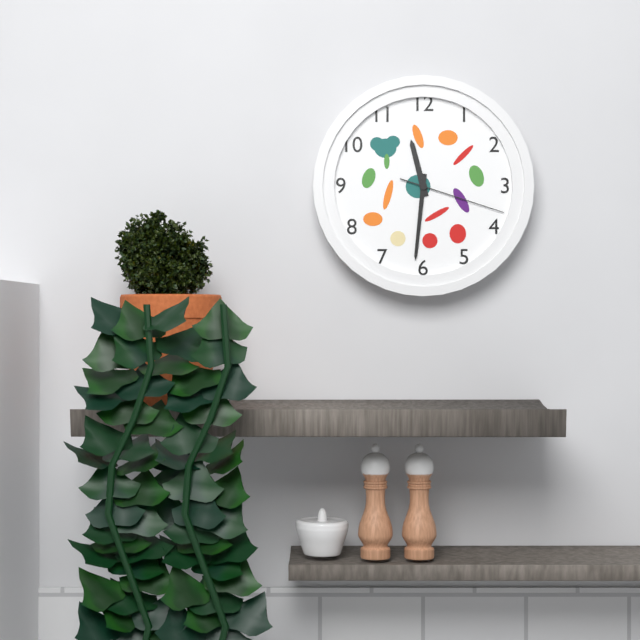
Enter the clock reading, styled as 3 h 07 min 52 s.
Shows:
11 h 31 min 18 s
